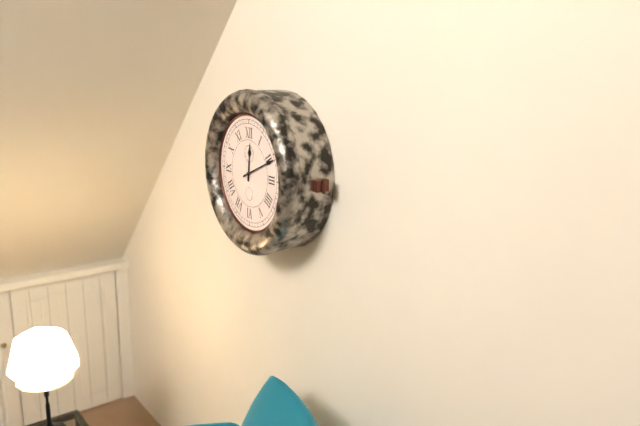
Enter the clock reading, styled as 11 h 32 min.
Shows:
12 h 11 min
